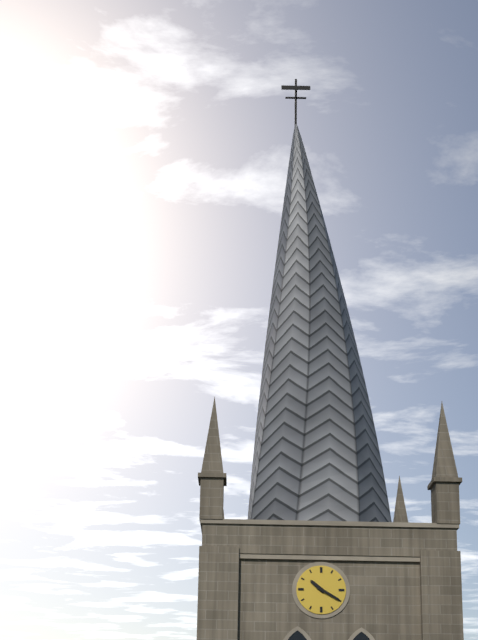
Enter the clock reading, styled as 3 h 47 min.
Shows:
10 h 20 min
